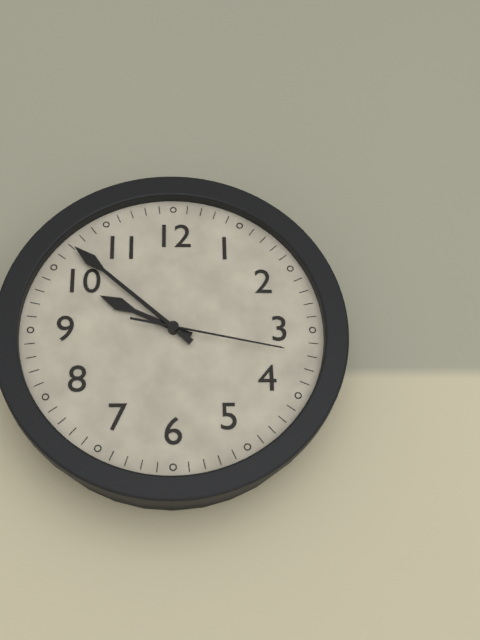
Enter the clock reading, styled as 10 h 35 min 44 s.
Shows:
9 h 52 min 17 s
